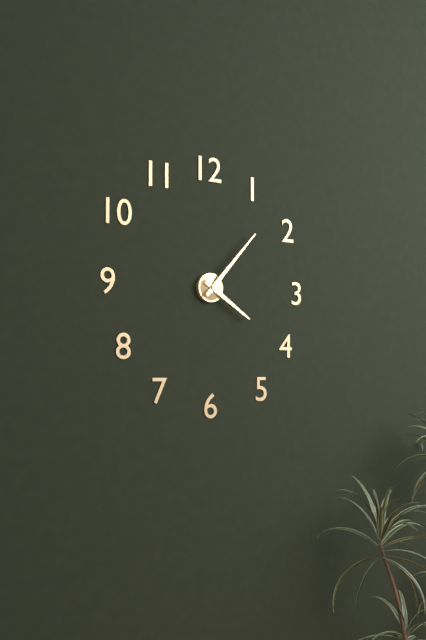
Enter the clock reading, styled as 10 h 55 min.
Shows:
4 h 07 min
